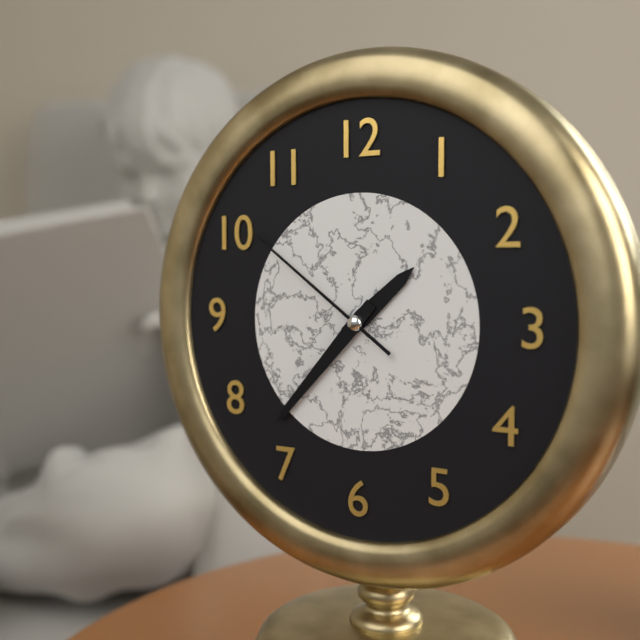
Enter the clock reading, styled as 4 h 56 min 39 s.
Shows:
1 h 37 min 51 s
